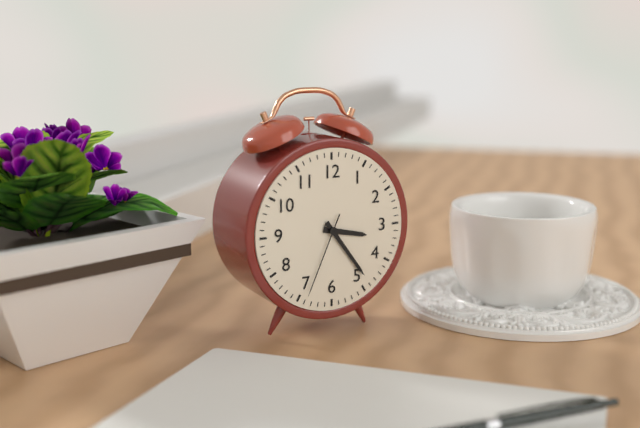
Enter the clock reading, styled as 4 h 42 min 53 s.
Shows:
3 h 24 min 34 s
